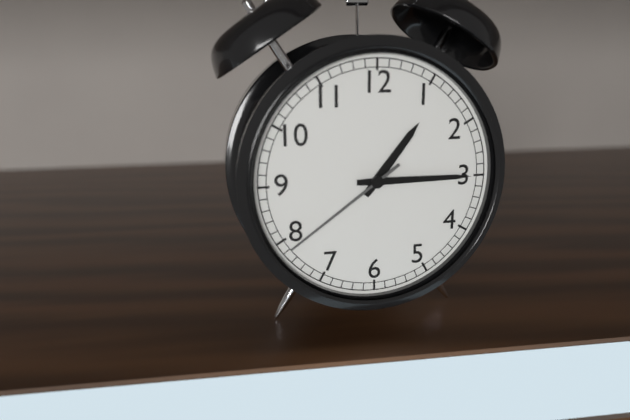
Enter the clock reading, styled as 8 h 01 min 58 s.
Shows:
1 h 15 min 39 s
